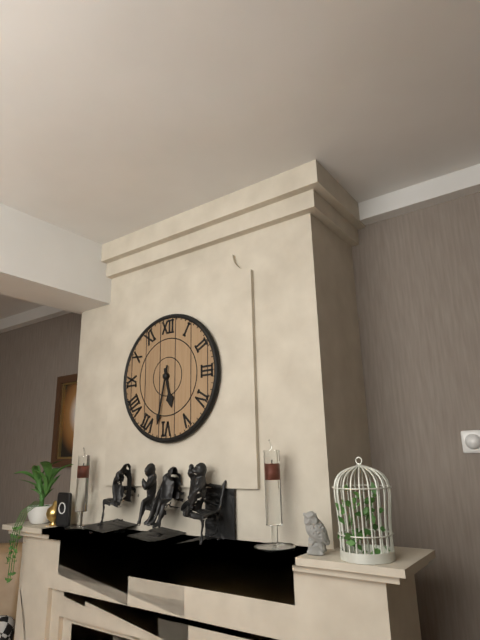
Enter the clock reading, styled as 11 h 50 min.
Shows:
5 h 32 min
